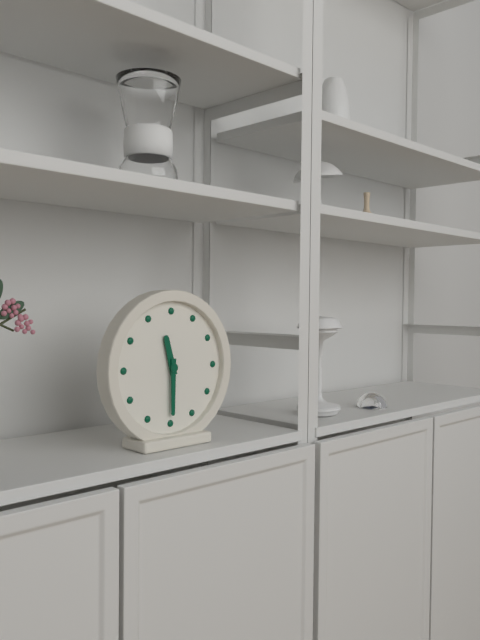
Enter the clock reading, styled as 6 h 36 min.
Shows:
11 h 30 min
